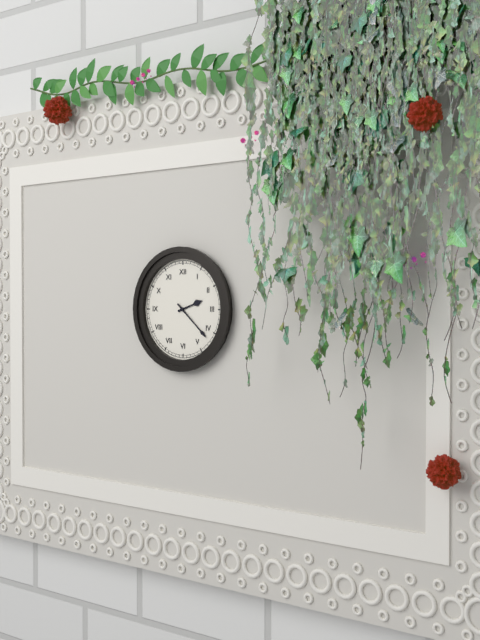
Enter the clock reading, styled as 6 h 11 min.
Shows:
2 h 22 min
